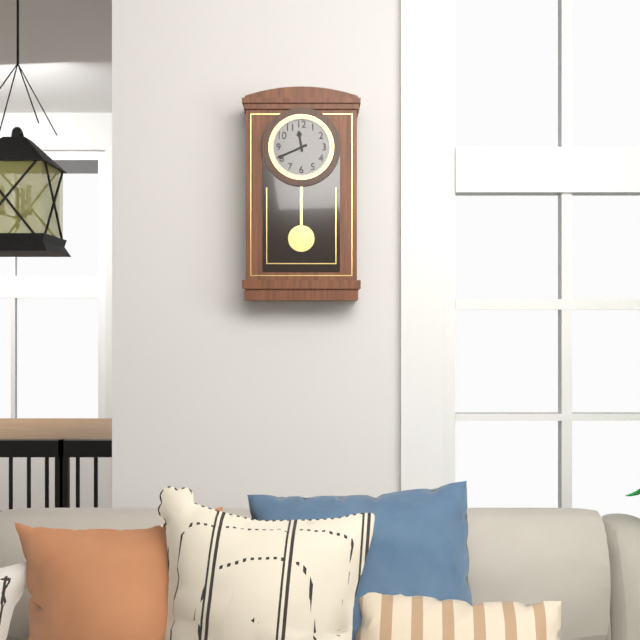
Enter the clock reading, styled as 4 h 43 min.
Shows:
11 h 41 min
